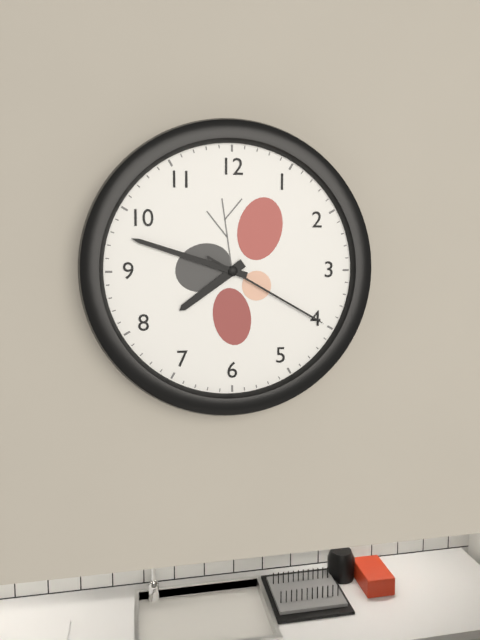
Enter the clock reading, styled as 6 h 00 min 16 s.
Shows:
7 h 48 min 20 s
